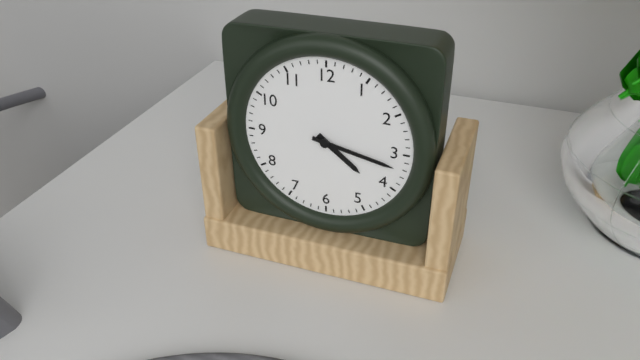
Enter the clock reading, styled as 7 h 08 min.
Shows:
4 h 17 min
